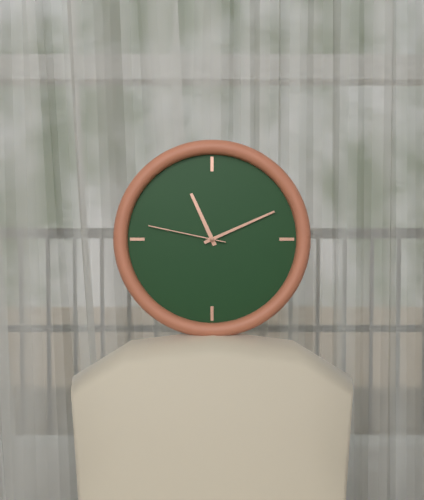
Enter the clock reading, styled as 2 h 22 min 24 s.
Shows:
11 h 11 min 47 s
